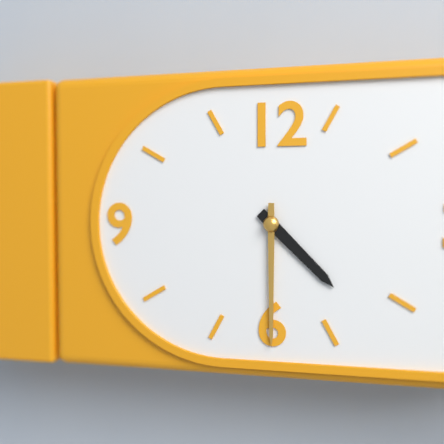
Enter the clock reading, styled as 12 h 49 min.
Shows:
4 h 30 min
